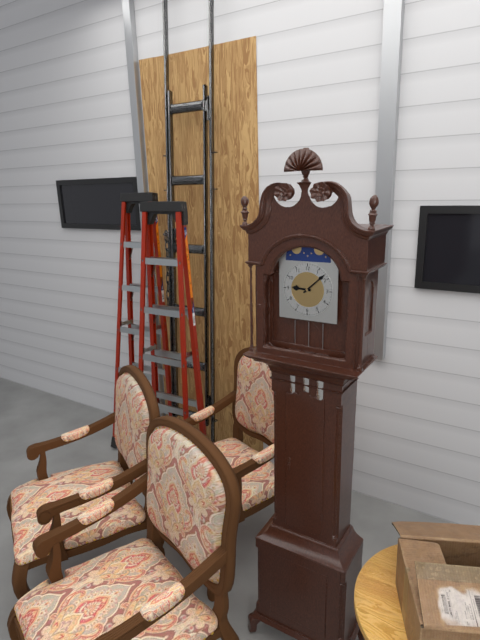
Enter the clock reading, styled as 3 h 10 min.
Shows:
9 h 08 min
